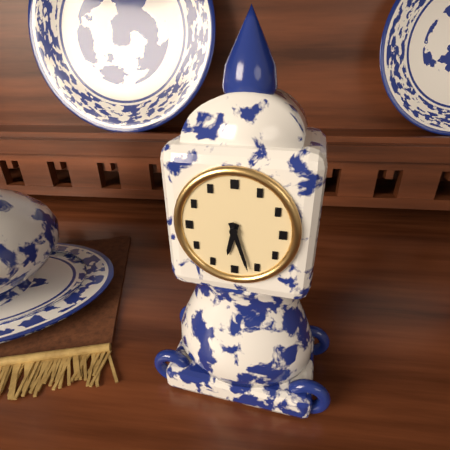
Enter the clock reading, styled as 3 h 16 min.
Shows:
6 h 27 min
